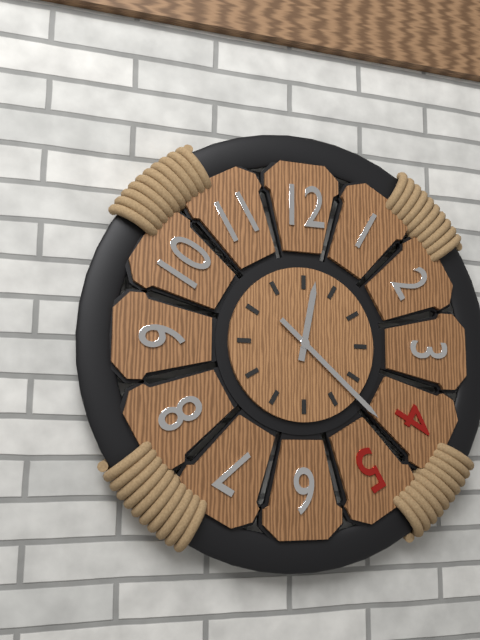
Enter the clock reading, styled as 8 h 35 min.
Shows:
12 h 22 min
